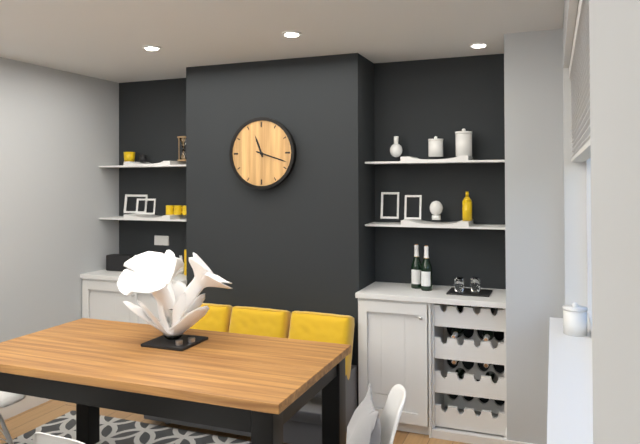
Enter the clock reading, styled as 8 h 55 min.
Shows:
11 h 18 min
